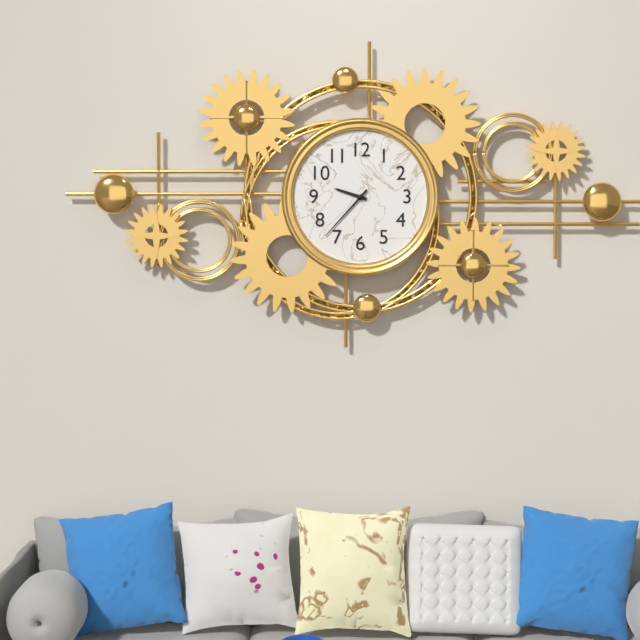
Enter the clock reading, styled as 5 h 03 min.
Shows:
9 h 37 min
